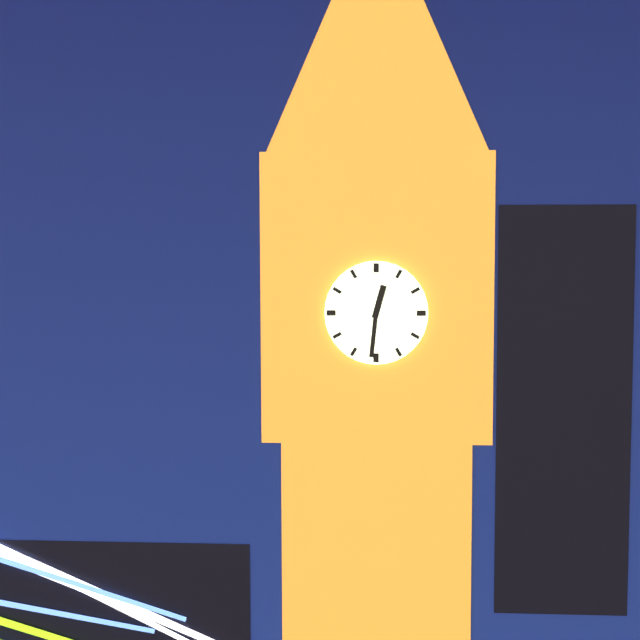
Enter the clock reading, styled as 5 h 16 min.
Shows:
12 h 31 min
